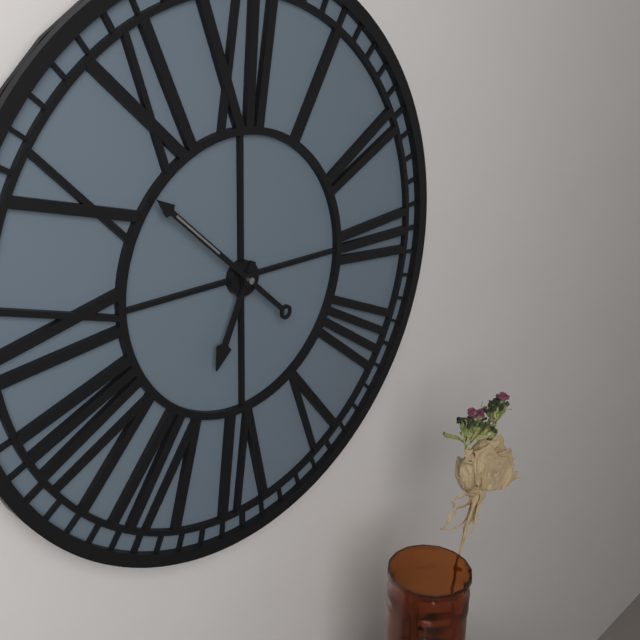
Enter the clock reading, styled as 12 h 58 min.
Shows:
6 h 52 min
